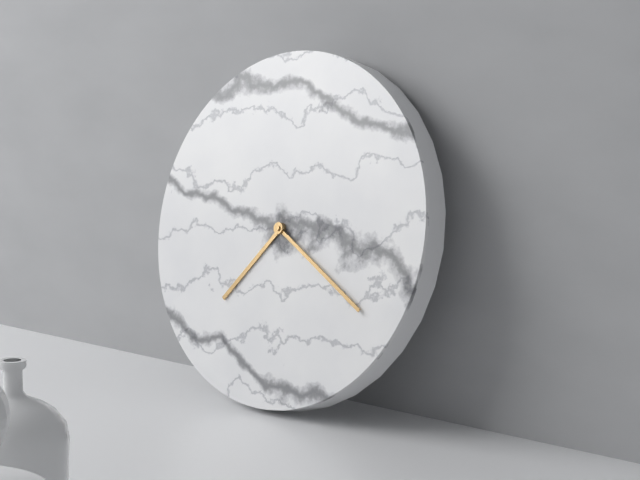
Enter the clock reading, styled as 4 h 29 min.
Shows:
7 h 20 min
